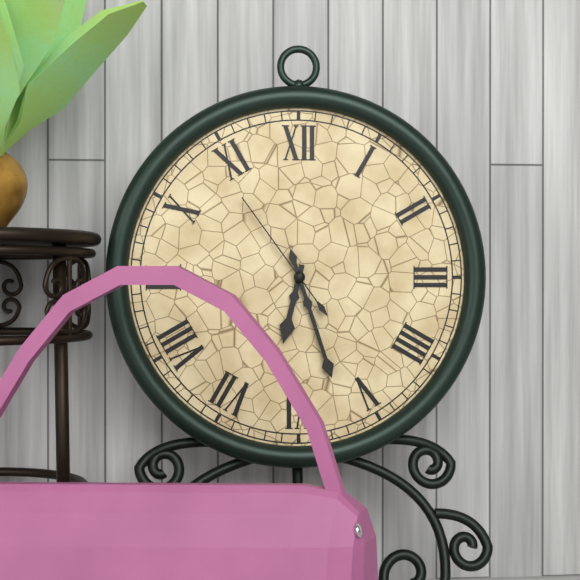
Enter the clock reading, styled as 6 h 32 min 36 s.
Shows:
6 h 27 min 54 s
